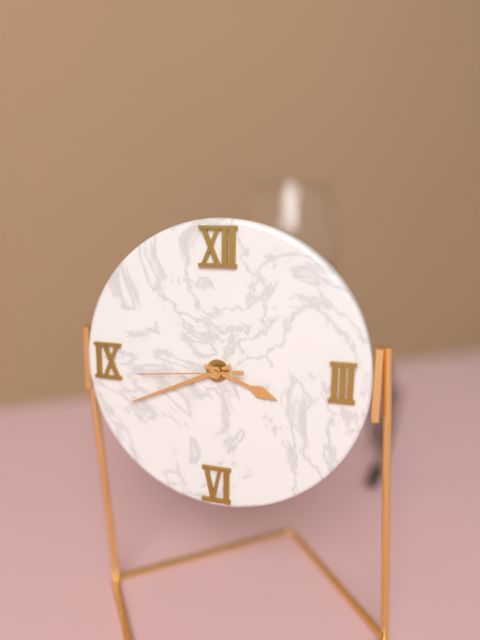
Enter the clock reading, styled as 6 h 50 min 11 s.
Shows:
3 h 41 min 44 s
